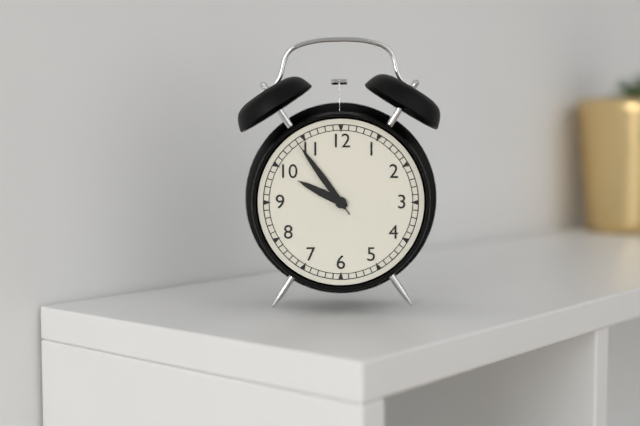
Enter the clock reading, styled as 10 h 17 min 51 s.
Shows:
9 h 54 min 54 s
